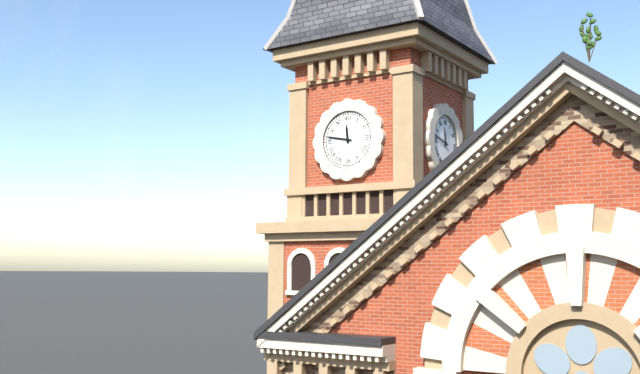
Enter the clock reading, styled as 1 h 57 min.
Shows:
11 h 47 min
